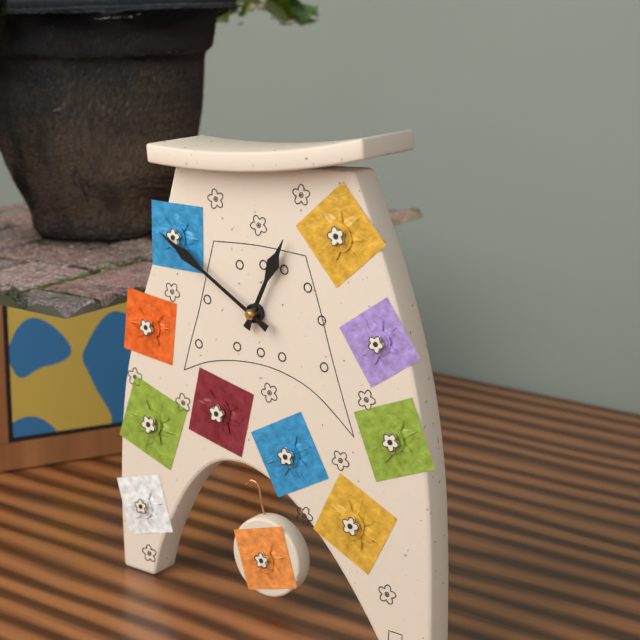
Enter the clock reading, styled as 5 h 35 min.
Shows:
12 h 50 min
